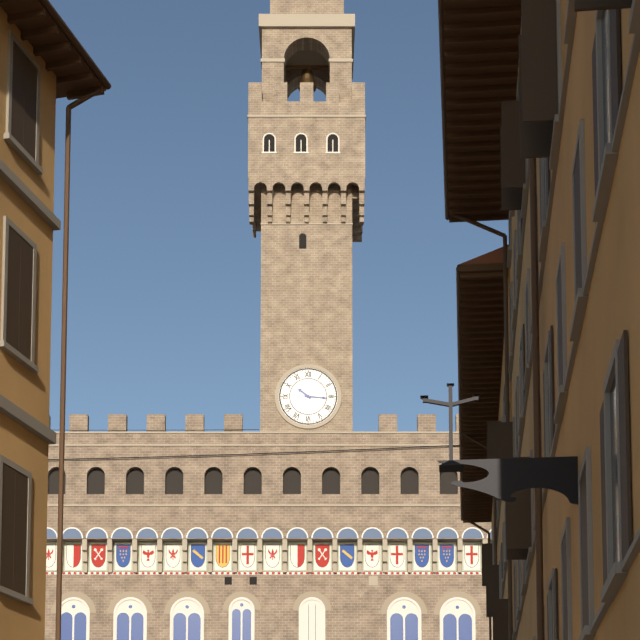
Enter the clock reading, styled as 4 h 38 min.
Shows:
10 h 16 min
